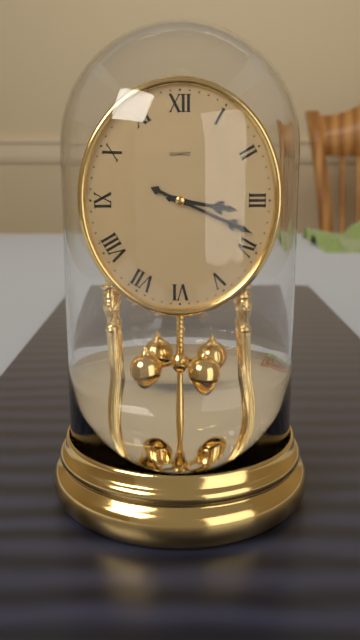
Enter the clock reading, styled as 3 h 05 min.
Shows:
3 h 19 min
